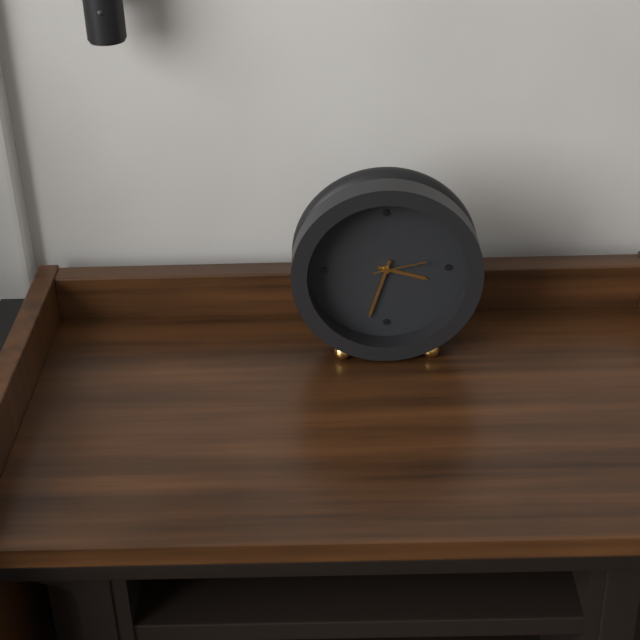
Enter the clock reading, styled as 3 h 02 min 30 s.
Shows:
3 h 33 min 13 s
